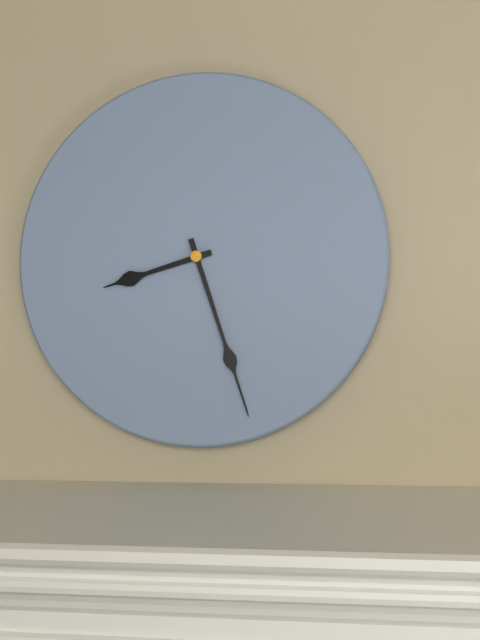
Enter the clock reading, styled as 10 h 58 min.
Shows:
8 h 27 min
